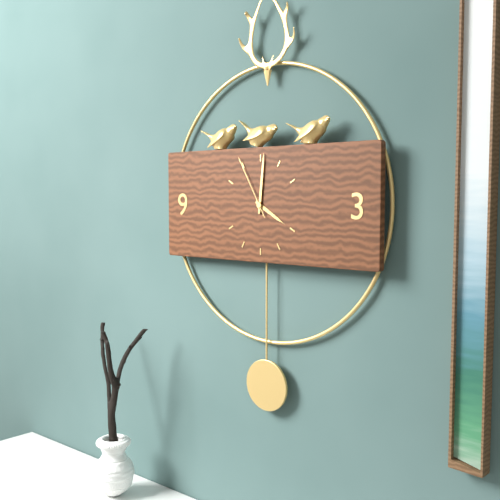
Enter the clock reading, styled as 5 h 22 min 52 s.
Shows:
4 h 01 min 55 s
